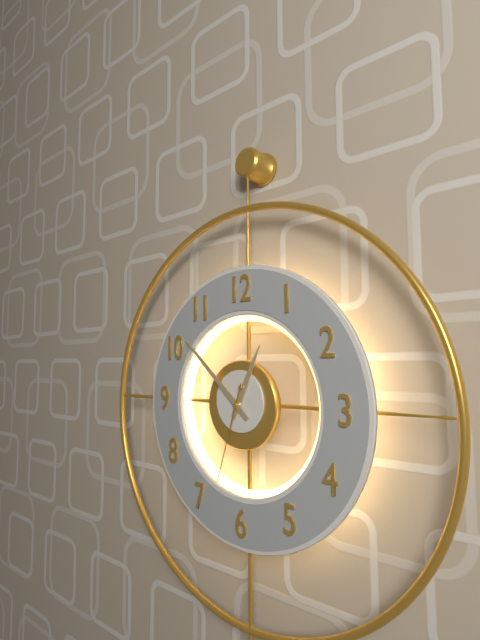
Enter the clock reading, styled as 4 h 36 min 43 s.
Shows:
12 h 52 min 33 s
